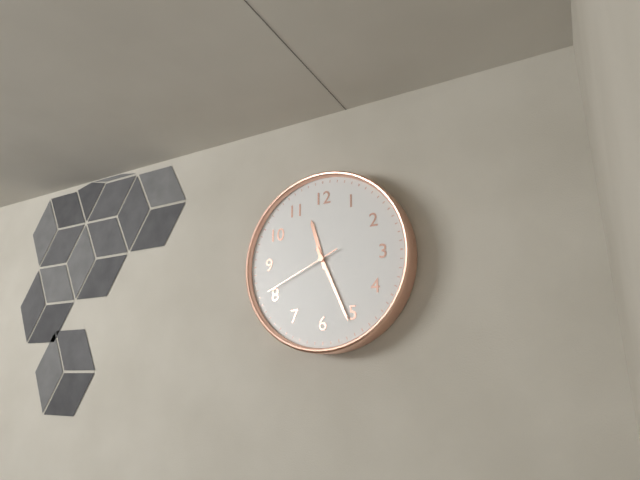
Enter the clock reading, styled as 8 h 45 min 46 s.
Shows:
11 h 26 min 41 s
